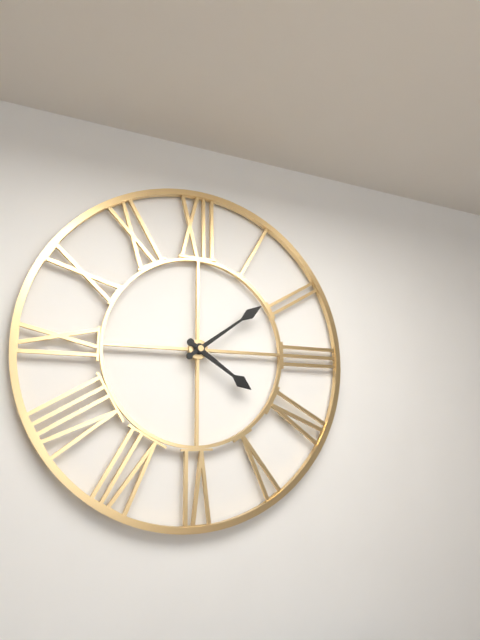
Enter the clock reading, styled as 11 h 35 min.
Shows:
4 h 09 min
